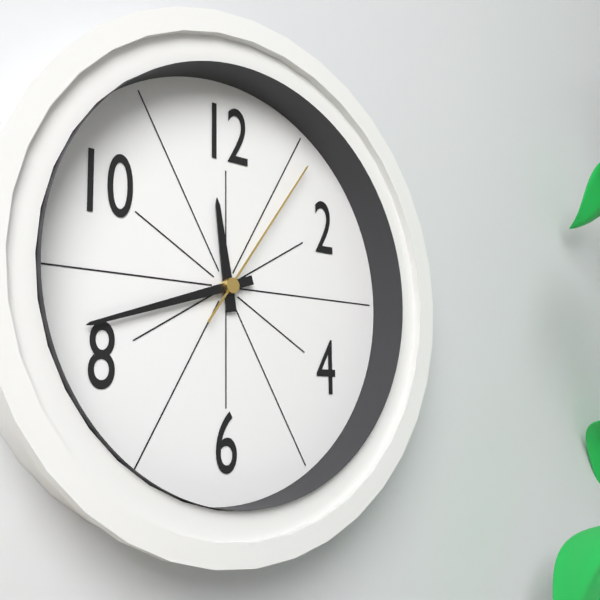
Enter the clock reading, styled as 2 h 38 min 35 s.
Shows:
11 h 42 min 06 s
